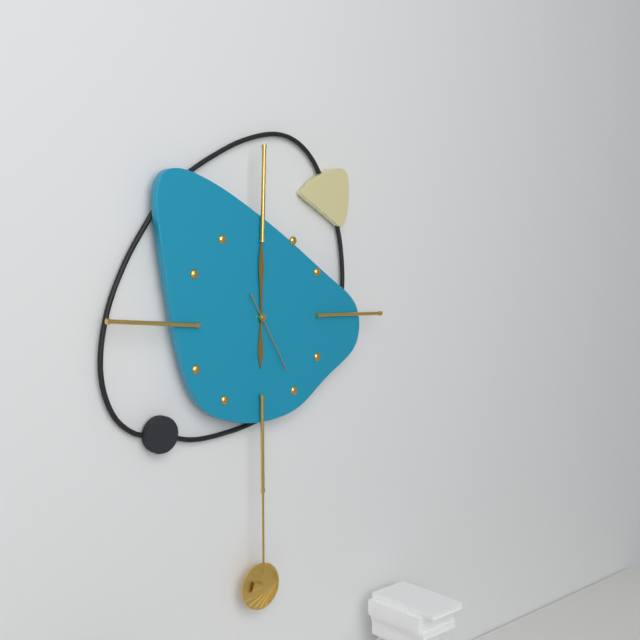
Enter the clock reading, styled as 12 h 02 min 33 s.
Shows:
6 h 00 min 25 s
